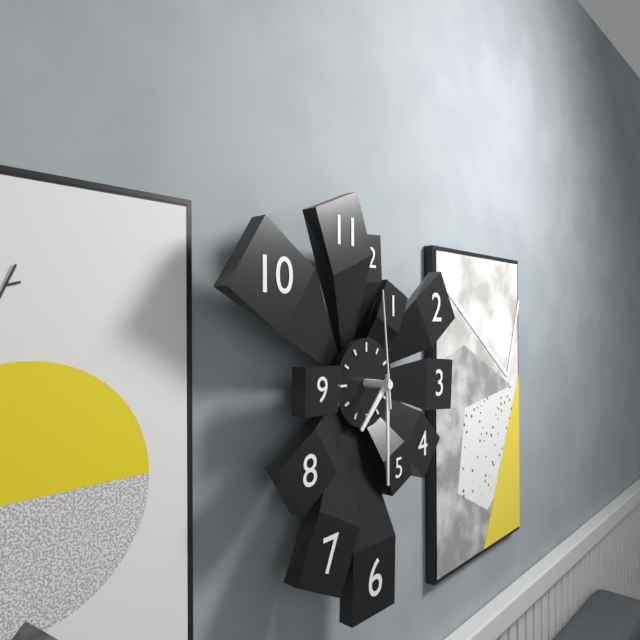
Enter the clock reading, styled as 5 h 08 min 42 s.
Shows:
7 h 30 min 59 s
